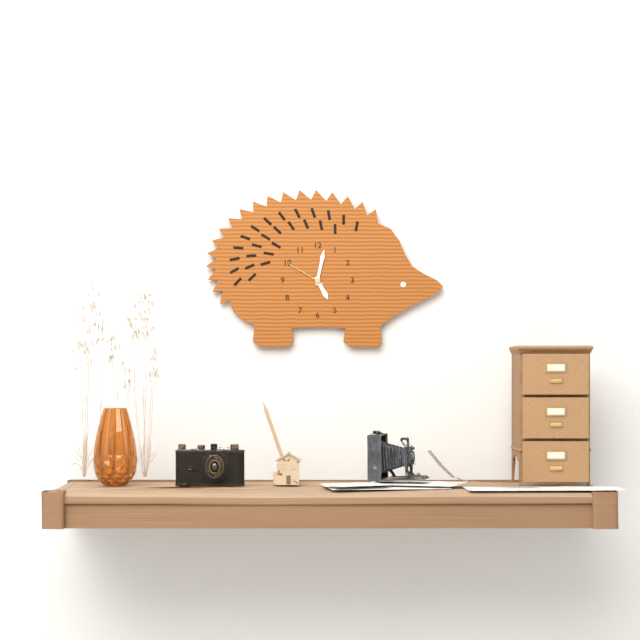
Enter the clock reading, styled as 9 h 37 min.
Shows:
5 h 02 min
